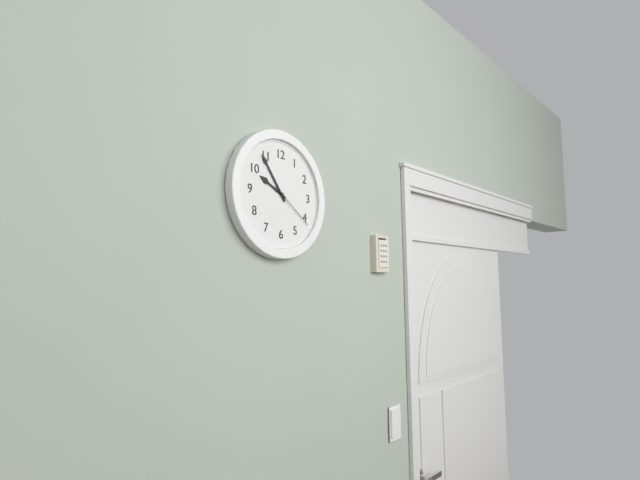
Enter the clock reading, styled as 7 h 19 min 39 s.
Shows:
9 h 54 min 21 s
